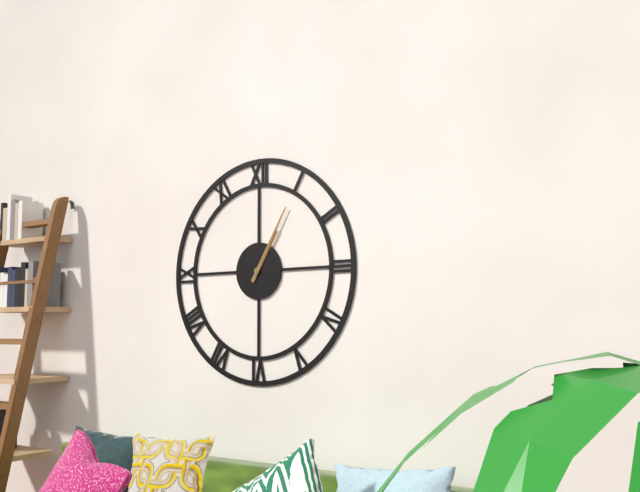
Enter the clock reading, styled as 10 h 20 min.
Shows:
1 h 05 min
